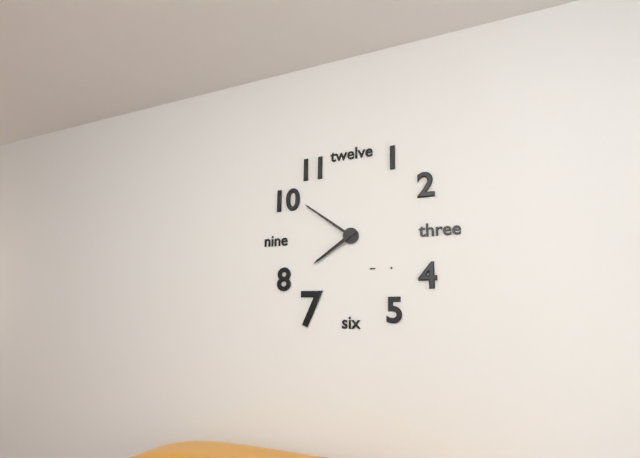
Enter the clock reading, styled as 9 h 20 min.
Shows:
7 h 51 min
